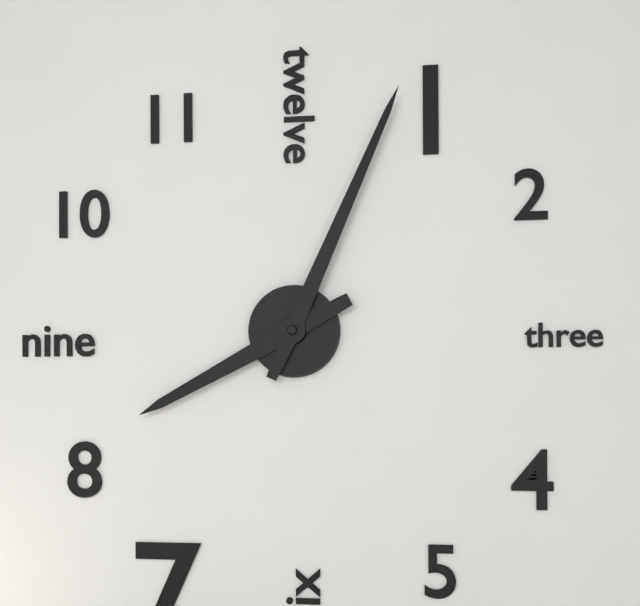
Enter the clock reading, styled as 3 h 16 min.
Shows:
8 h 04 min
